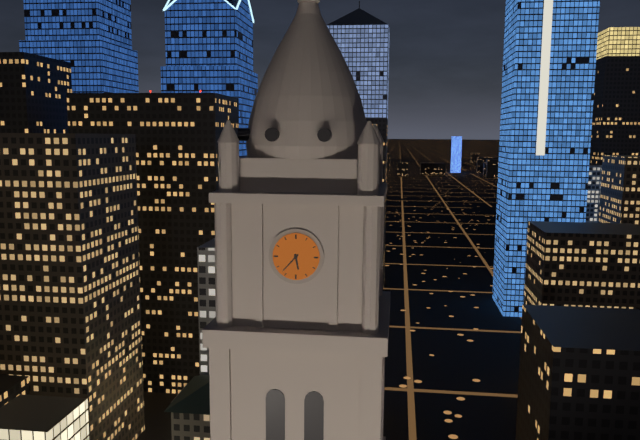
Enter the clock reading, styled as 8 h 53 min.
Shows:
5 h 37 min
